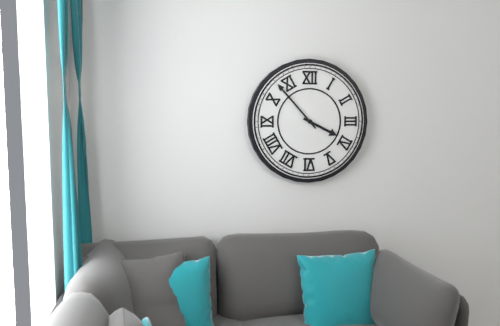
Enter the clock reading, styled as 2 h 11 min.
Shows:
3 h 53 min
